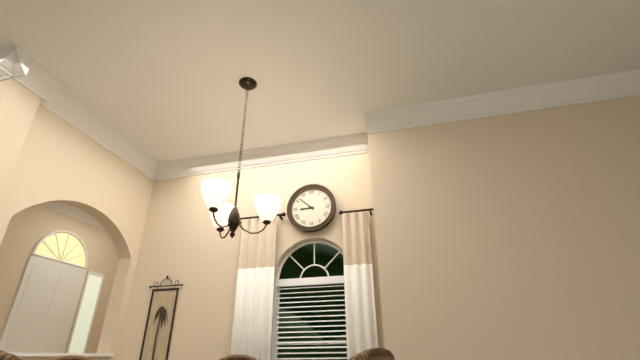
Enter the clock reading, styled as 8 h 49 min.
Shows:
8 h 52 min
